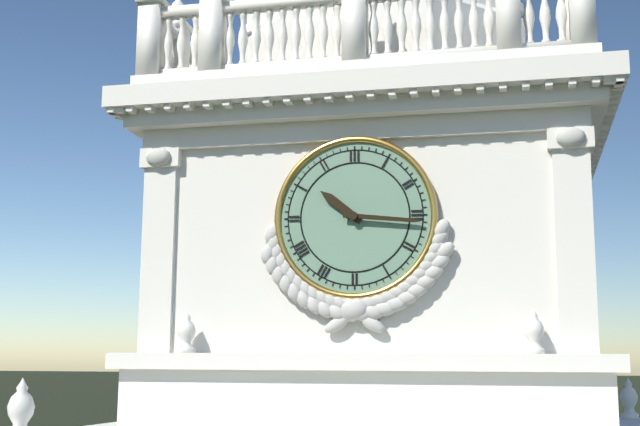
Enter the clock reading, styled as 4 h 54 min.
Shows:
10 h 16 min
